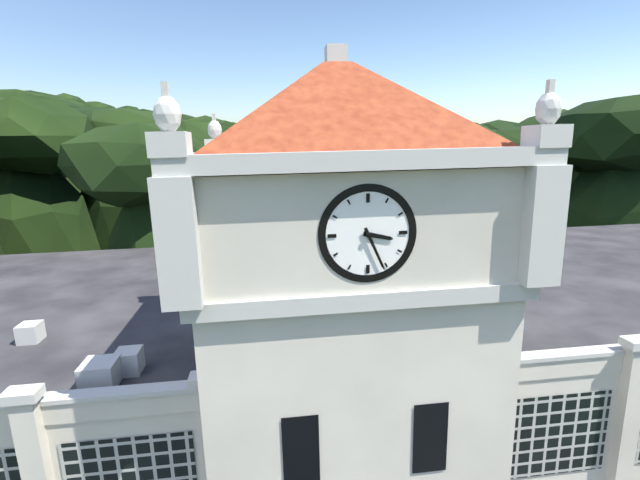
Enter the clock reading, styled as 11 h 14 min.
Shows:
3 h 26 min
